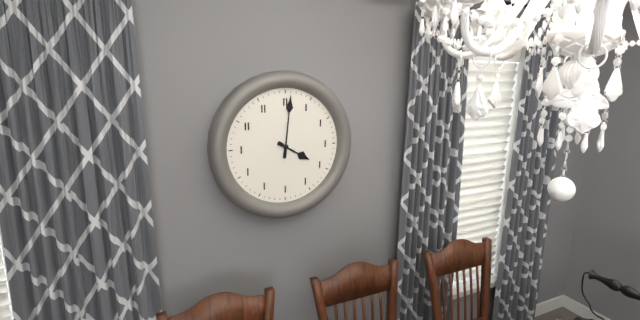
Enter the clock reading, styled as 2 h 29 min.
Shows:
4 h 01 min
